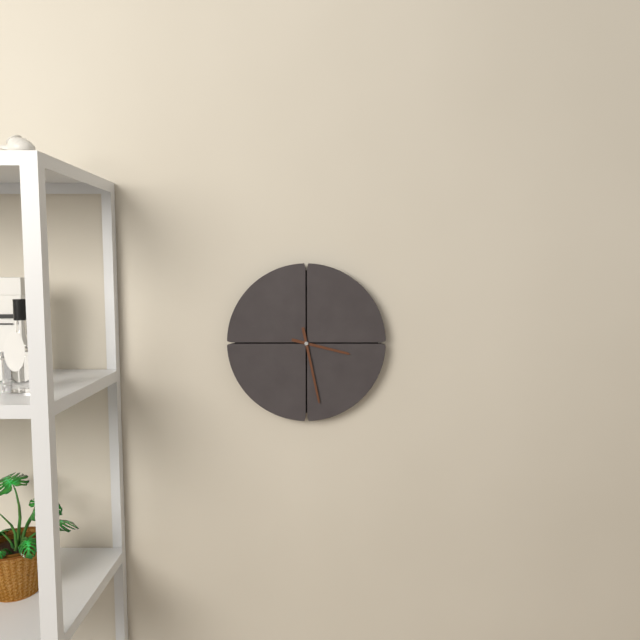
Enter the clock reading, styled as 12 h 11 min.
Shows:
3 h 28 min
